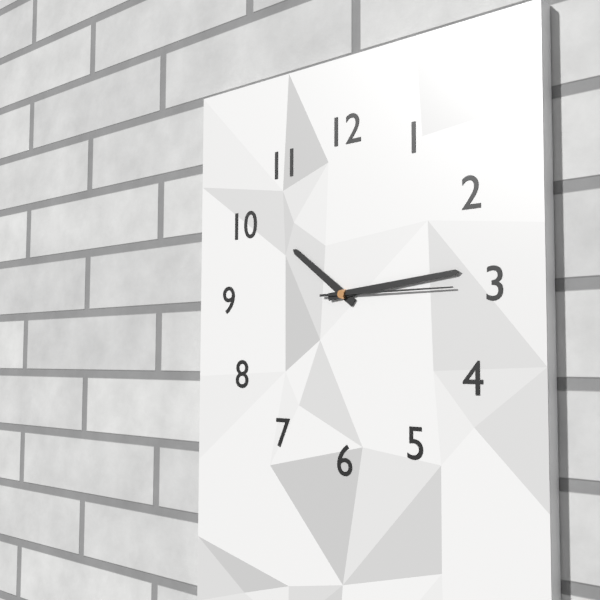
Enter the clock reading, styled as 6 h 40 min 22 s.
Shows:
10 h 14 min 15 s
